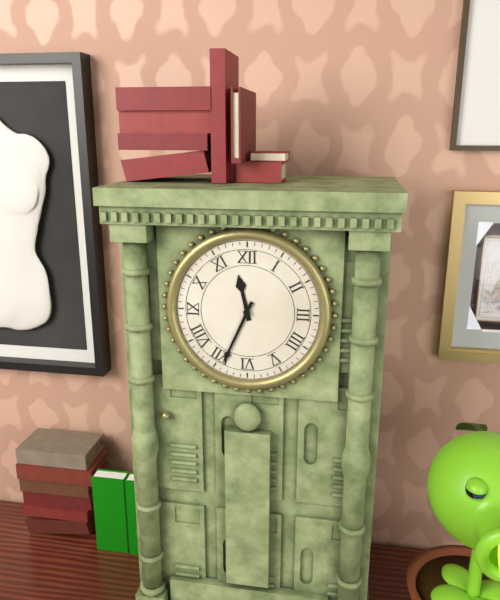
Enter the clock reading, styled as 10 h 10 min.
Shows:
11 h 34 min
